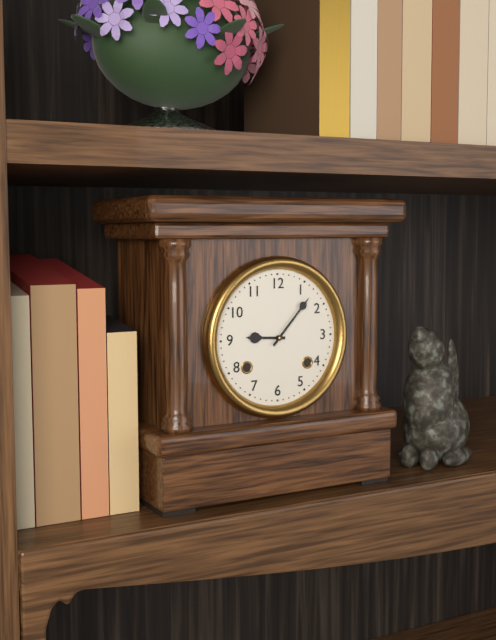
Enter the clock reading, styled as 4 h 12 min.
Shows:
9 h 07 min
